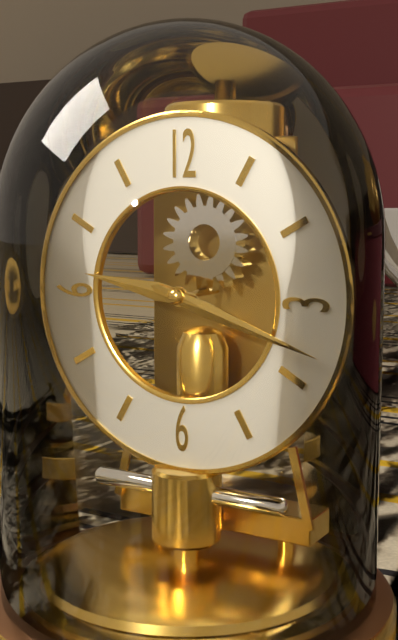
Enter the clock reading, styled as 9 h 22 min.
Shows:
9 h 18 min
